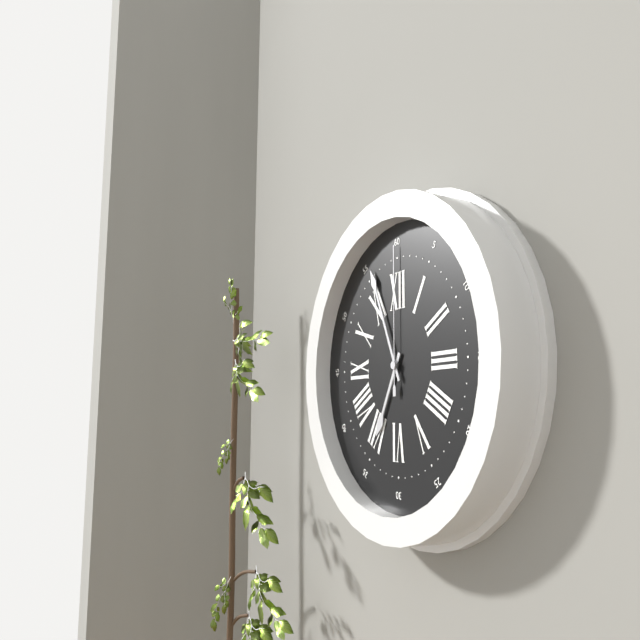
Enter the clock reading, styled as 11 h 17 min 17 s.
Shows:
6 h 56 min 00 s
